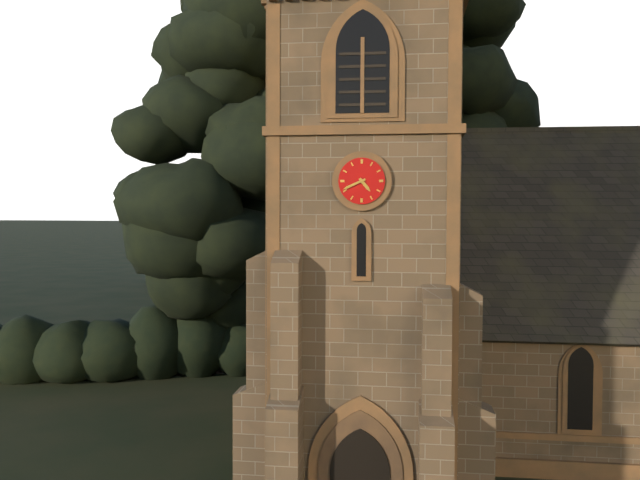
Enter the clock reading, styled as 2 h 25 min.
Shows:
4 h 41 min
